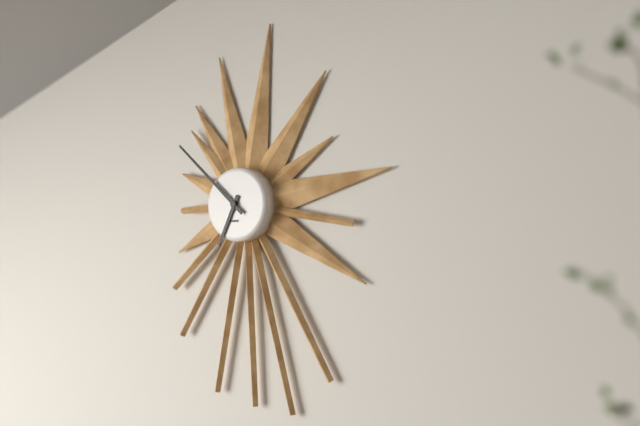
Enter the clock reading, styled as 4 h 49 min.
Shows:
6 h 52 min
